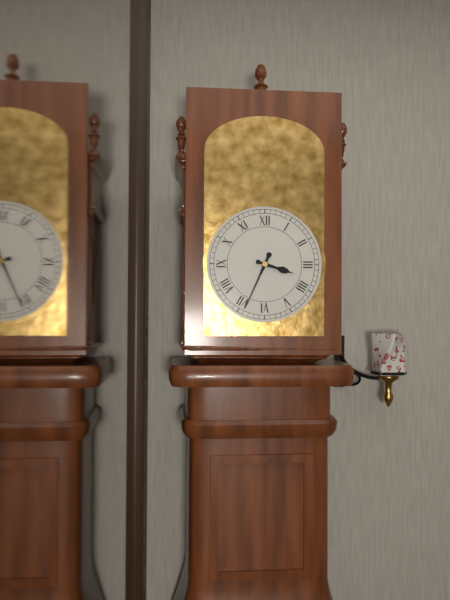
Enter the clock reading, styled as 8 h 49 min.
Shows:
3 h 34 min
